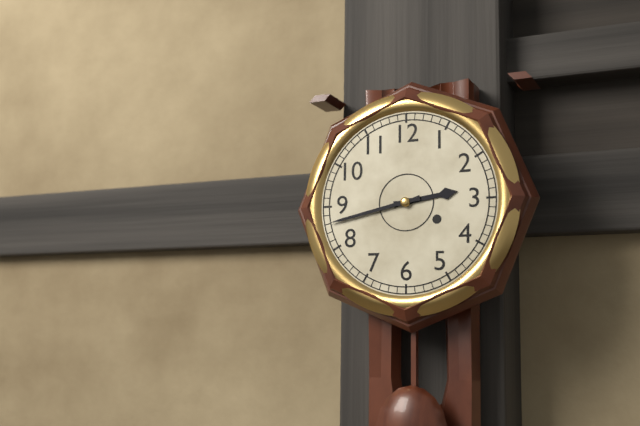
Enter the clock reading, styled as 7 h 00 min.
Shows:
2 h 43 min
